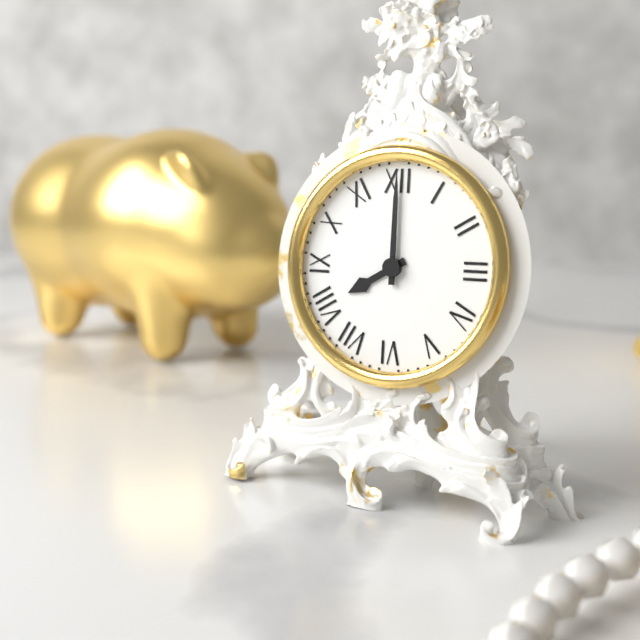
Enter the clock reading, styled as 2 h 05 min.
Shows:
8 h 00 min
